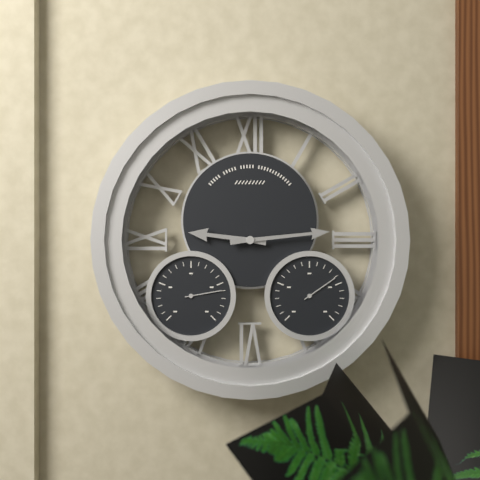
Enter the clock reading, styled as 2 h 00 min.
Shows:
9 h 14 min
